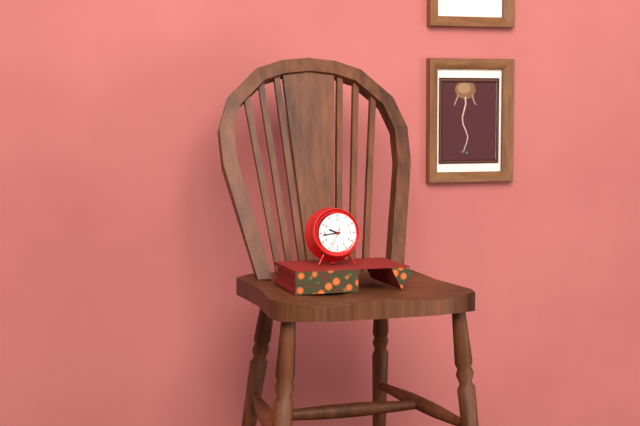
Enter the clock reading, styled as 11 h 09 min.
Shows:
9 h 44 min
